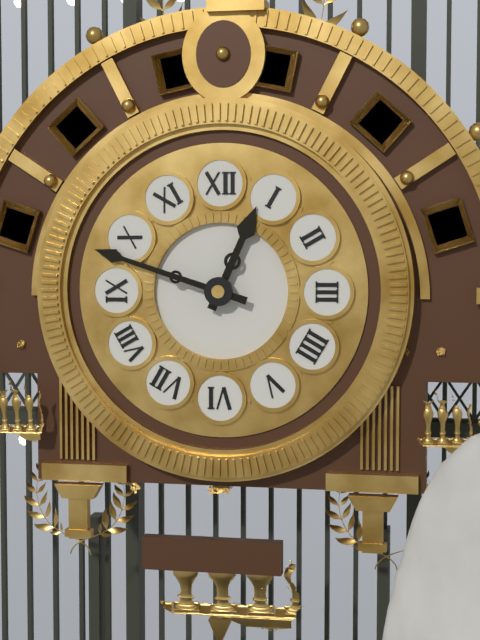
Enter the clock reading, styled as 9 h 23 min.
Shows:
12 h 48 min
